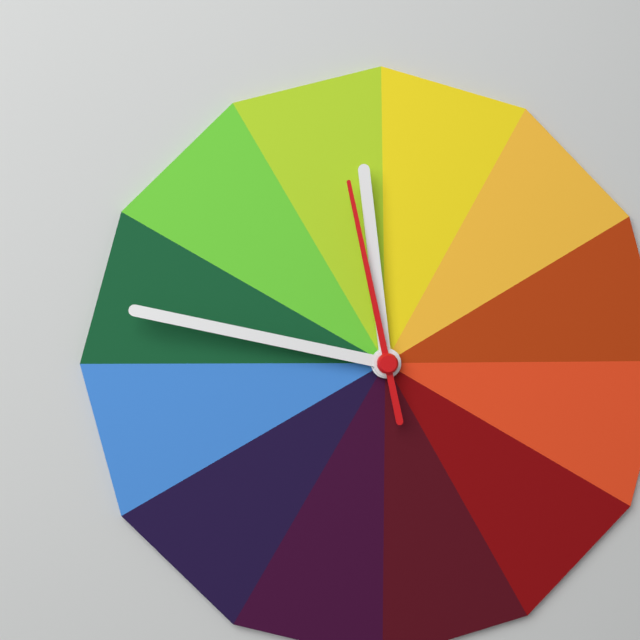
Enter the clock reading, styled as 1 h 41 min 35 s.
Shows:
11 h 47 min 58 s
